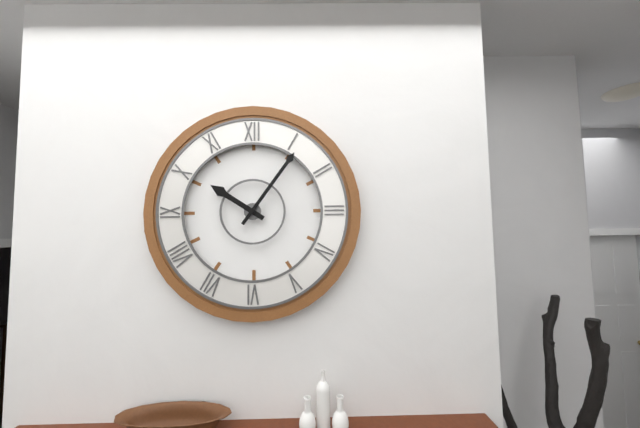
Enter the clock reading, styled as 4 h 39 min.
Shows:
10 h 06 min
